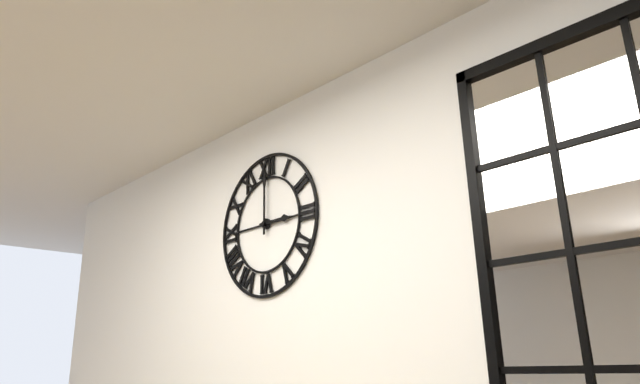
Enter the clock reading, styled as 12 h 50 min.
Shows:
3 h 00 min
